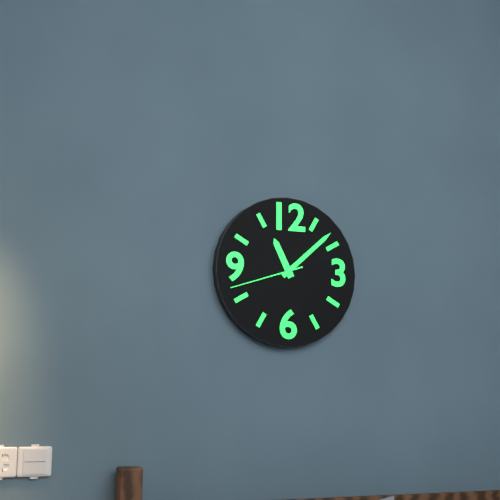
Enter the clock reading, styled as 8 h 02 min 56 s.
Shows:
11 h 08 min 42 s
